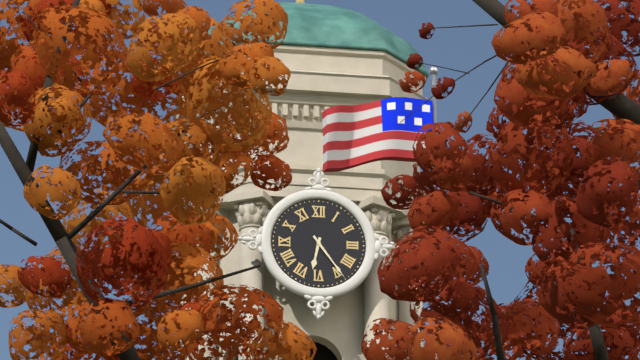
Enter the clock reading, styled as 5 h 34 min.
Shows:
6 h 24 min
